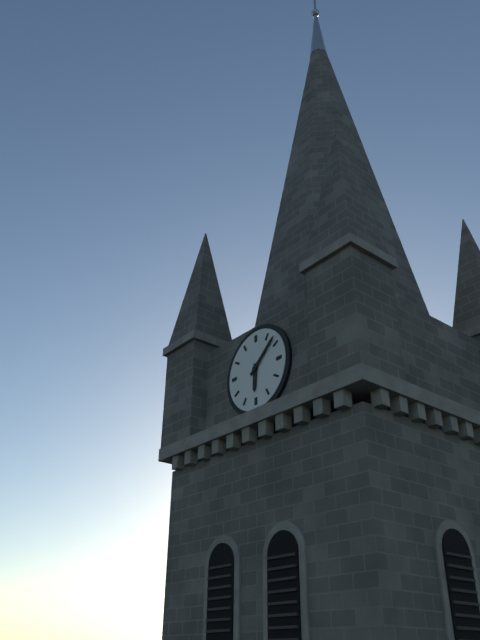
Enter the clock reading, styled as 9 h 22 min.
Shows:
6 h 08 min
